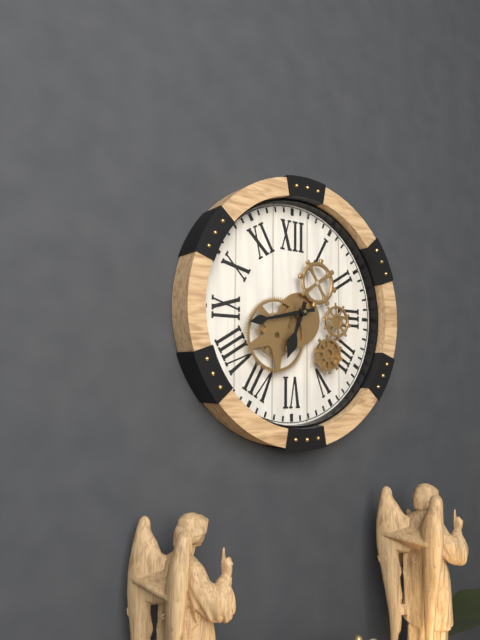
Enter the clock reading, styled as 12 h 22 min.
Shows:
6 h 43 min
